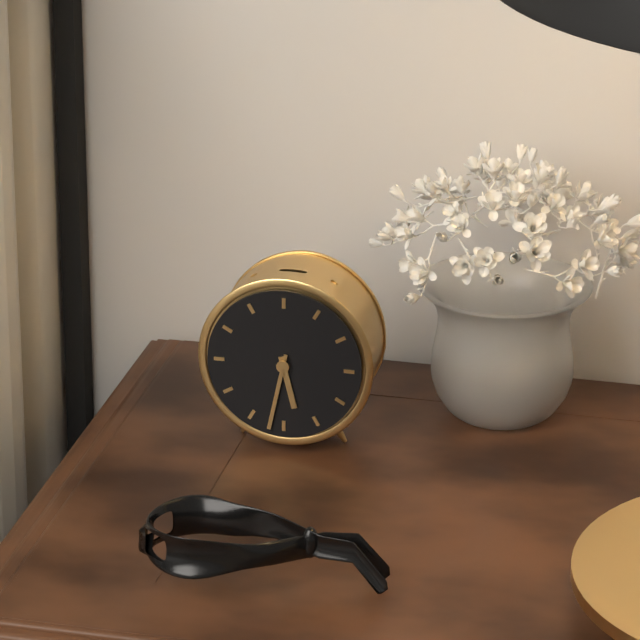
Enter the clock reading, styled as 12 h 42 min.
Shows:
5 h 32 min
